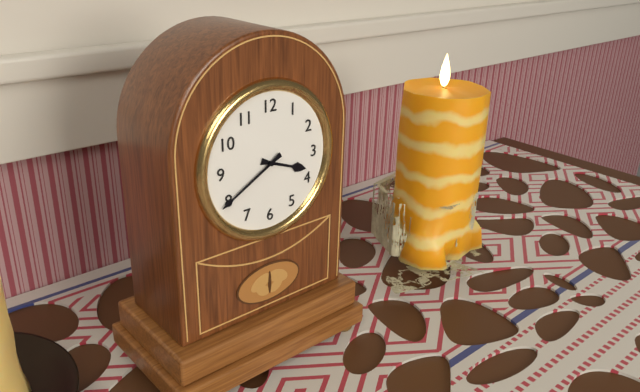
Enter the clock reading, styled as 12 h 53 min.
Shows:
3 h 40 min
